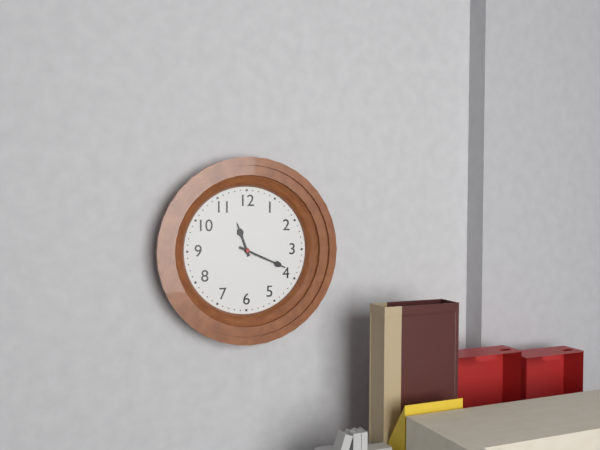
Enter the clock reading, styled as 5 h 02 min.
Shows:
11 h 19 min
